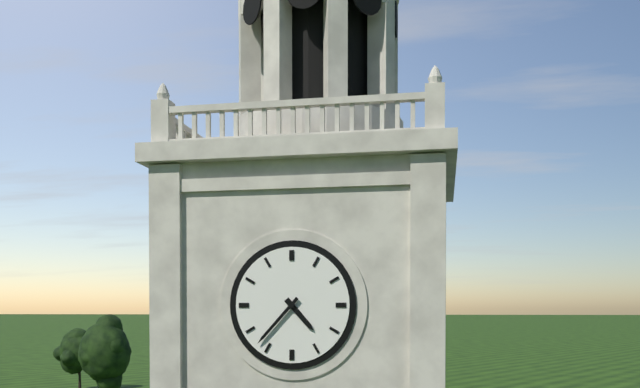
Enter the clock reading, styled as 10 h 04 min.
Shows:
4 h 37 min
